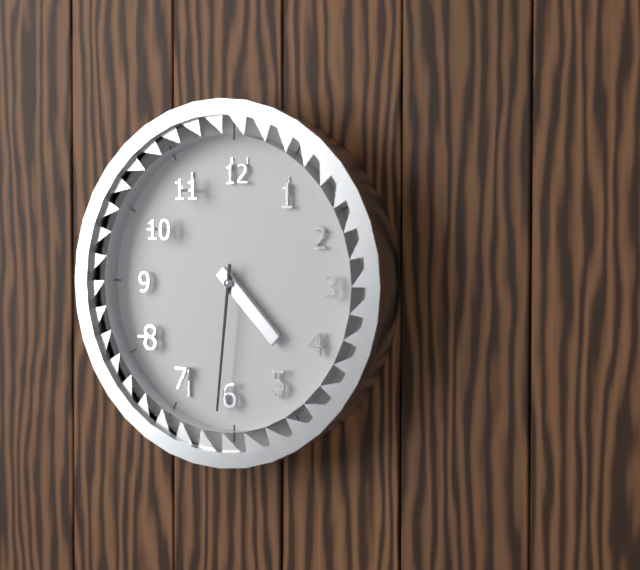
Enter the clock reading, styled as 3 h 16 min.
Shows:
4 h 31 min
